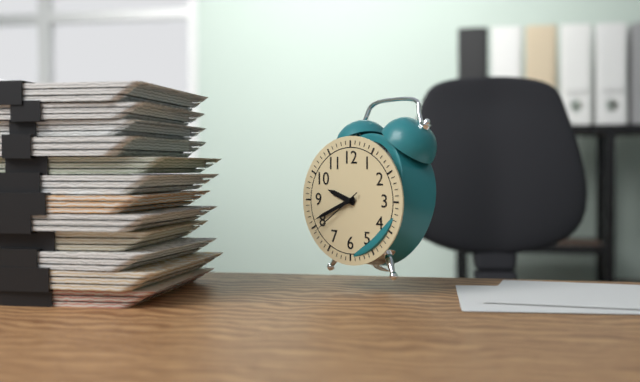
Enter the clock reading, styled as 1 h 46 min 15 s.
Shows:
9 h 41 min 39 s
